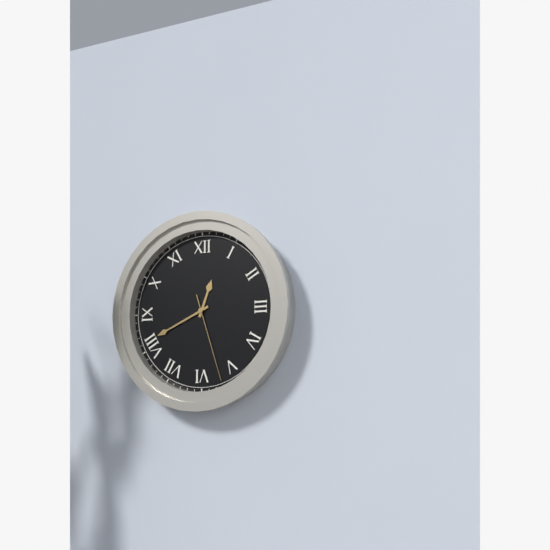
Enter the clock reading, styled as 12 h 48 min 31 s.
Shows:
12 h 41 min 27 s
